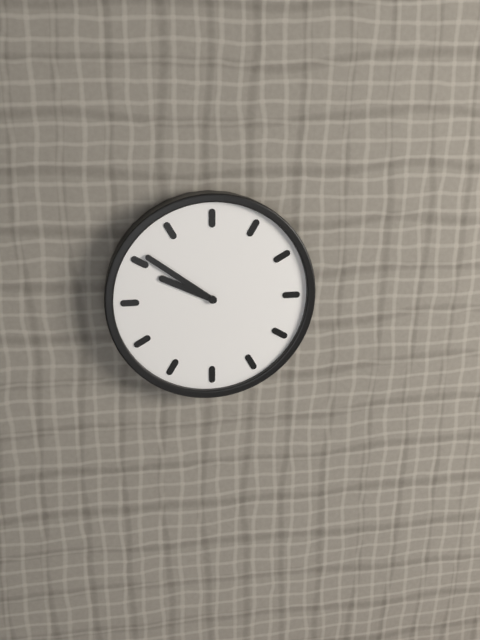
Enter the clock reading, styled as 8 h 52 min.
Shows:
9 h 51 min
